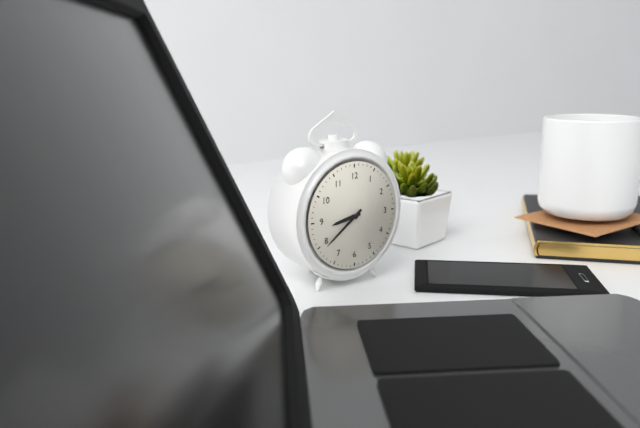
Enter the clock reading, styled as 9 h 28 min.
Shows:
8 h 39 min
